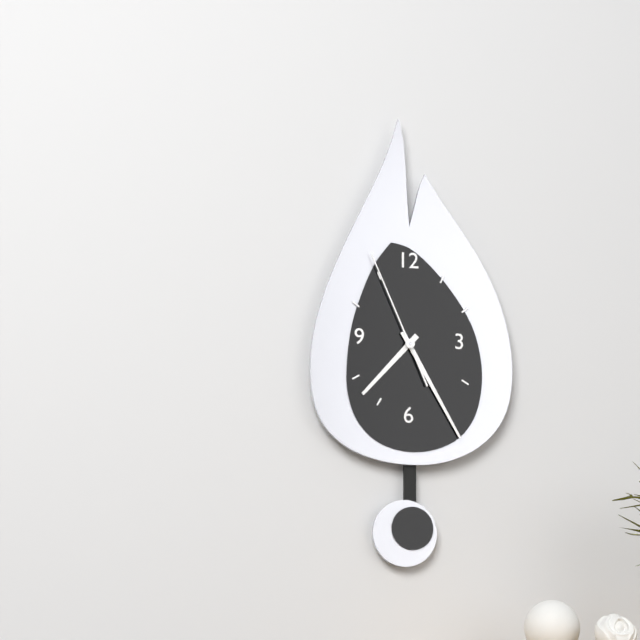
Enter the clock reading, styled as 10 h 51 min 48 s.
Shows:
7 h 25 min 56 s
